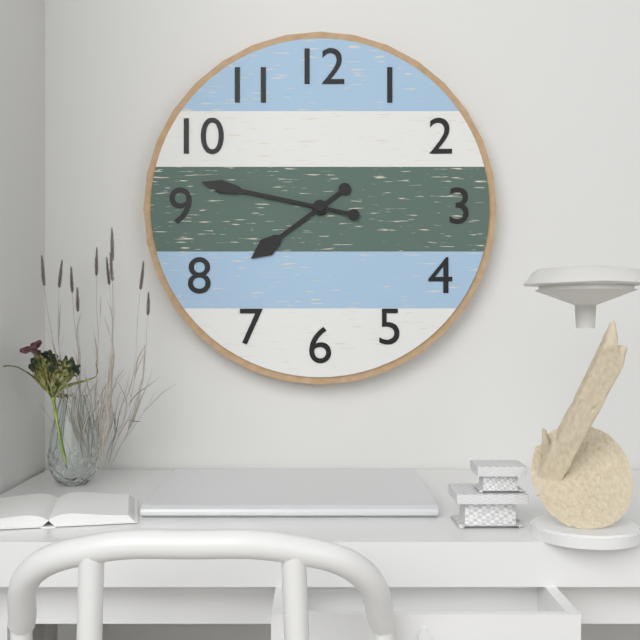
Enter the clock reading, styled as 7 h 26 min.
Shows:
7 h 47 min
